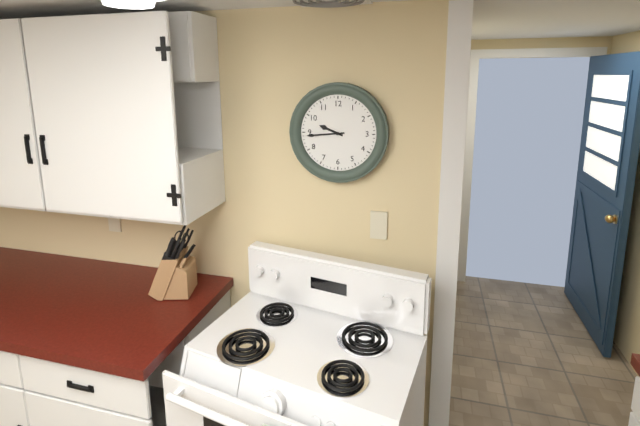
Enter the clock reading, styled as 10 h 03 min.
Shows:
9 h 44 min
